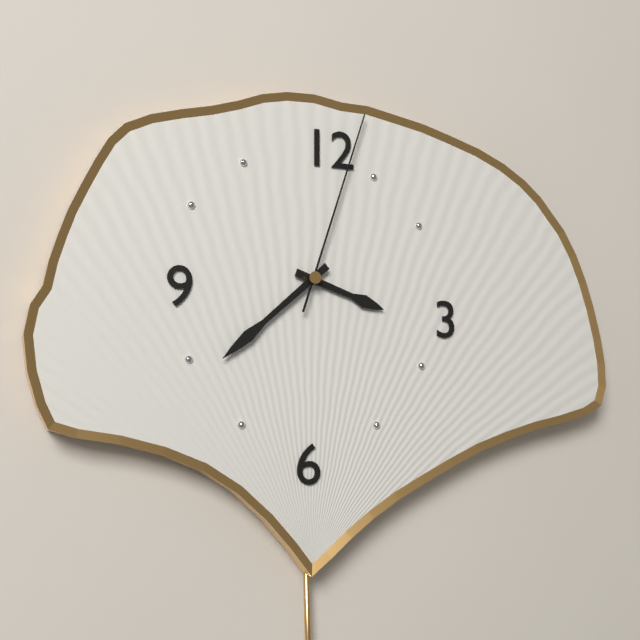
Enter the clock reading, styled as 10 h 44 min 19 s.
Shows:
3 h 38 min 03 s
